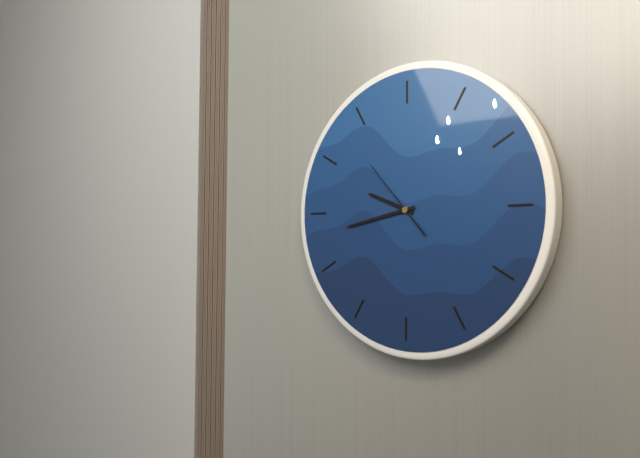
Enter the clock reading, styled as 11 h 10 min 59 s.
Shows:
9 h 43 min 53 s
